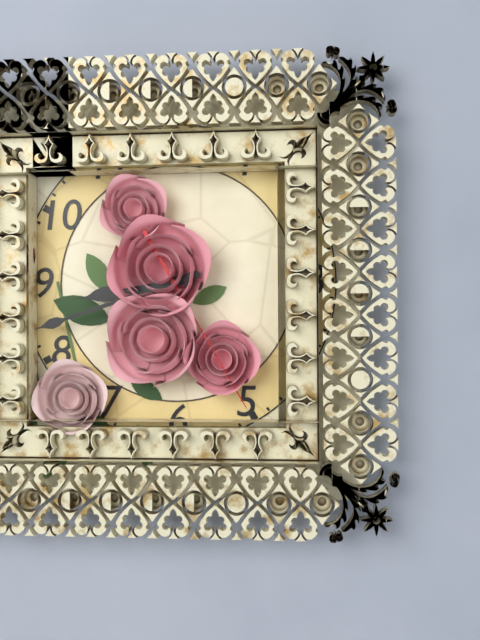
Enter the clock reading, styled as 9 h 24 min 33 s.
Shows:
8 h 42 min 25 s
